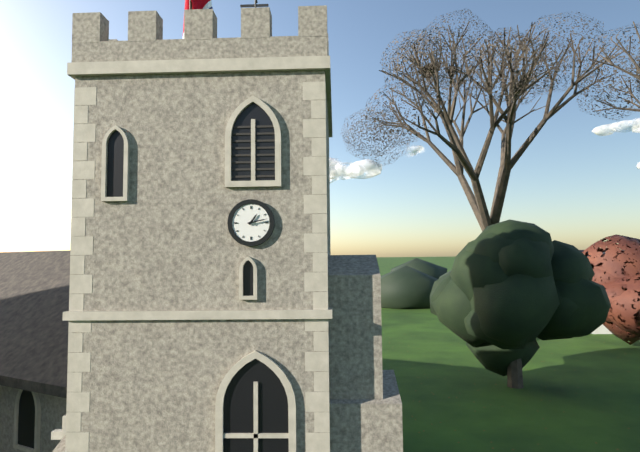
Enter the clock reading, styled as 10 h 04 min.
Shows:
1 h 13 min
